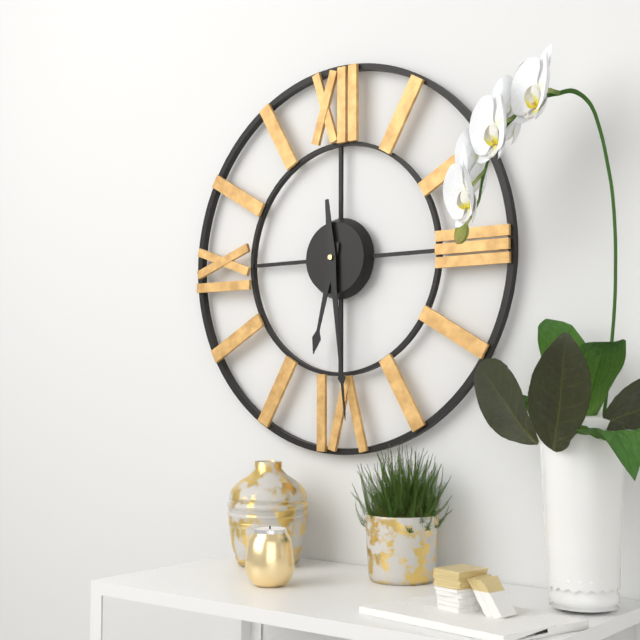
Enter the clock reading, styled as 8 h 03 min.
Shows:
6 h 29 min
